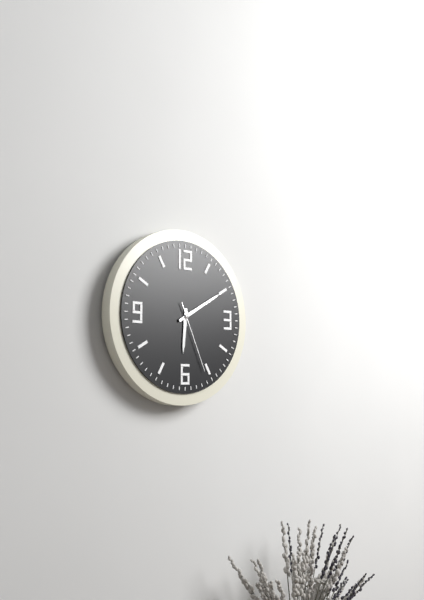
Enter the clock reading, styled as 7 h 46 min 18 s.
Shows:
6 h 10 min 26 s
